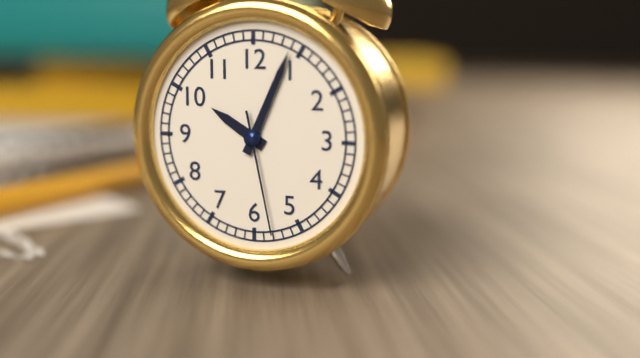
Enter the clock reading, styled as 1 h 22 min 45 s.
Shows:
10 h 04 min 28 s
